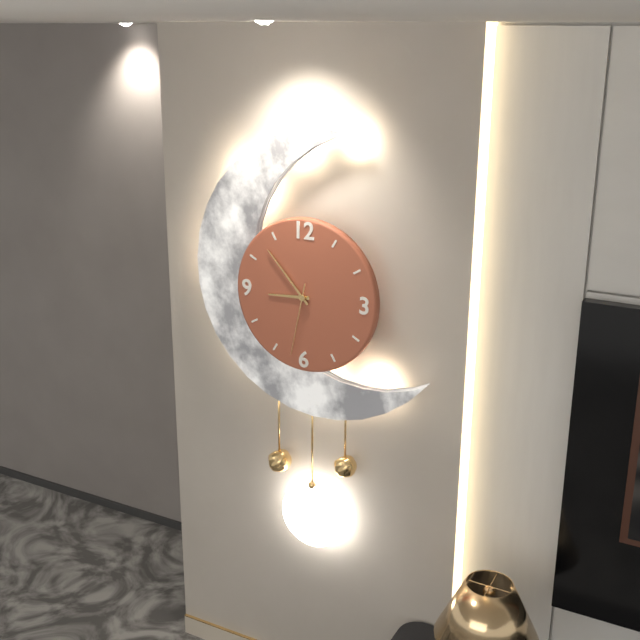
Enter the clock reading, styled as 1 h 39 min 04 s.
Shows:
8 h 53 min 32 s
